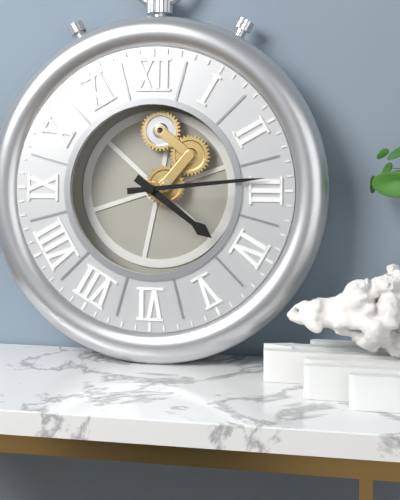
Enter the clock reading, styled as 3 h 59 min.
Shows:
4 h 14 min
